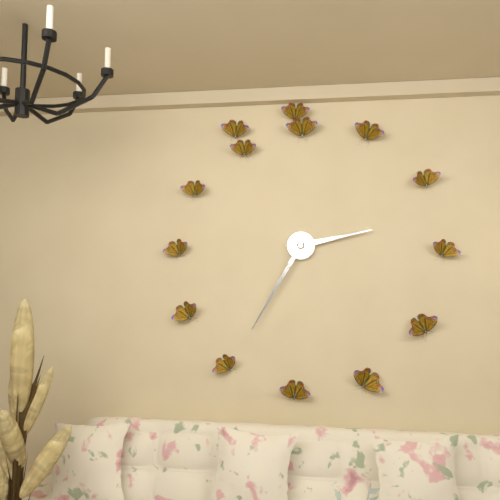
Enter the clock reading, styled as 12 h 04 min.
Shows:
2 h 35 min
